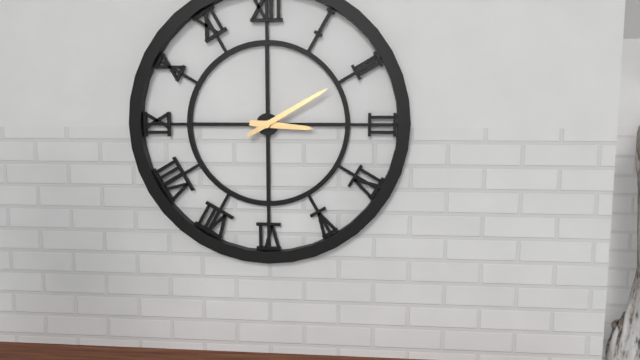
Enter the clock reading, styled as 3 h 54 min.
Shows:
3 h 10 min
